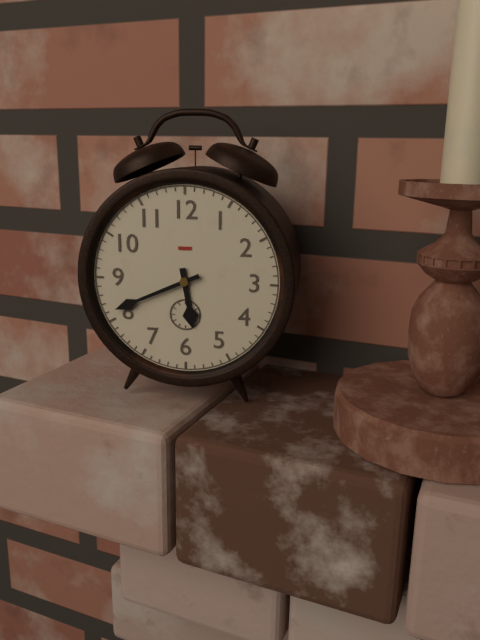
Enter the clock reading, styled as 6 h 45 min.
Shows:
5 h 41 min
